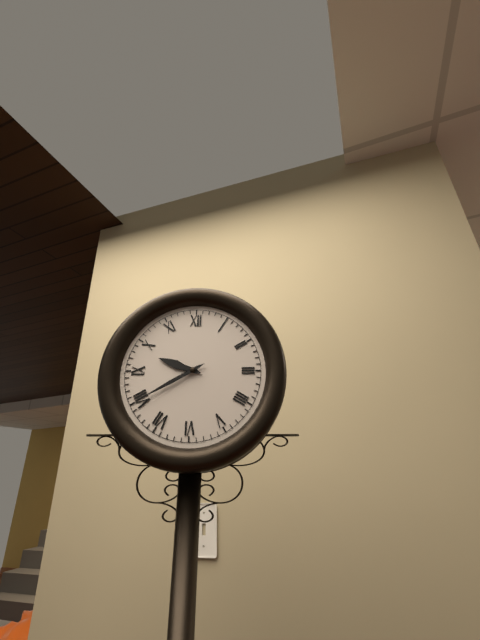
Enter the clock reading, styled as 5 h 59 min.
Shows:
9 h 40 min
